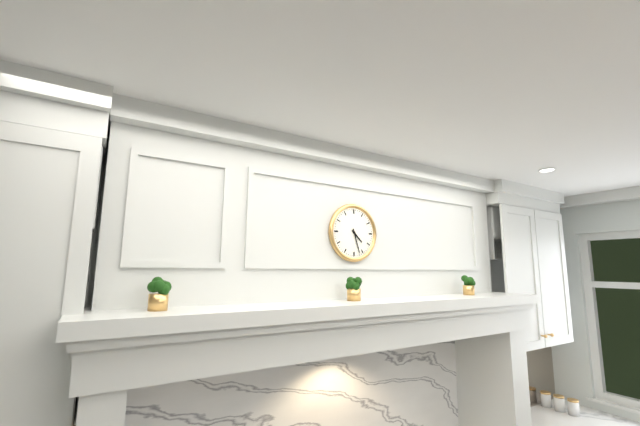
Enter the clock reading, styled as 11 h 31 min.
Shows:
4 h 27 min
